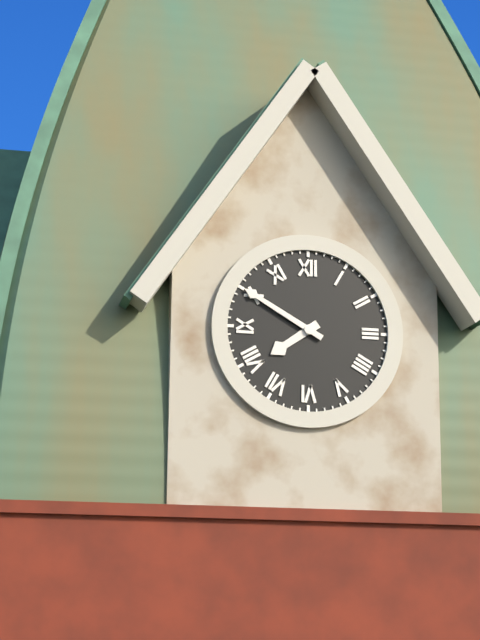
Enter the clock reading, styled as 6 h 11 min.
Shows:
7 h 50 min
